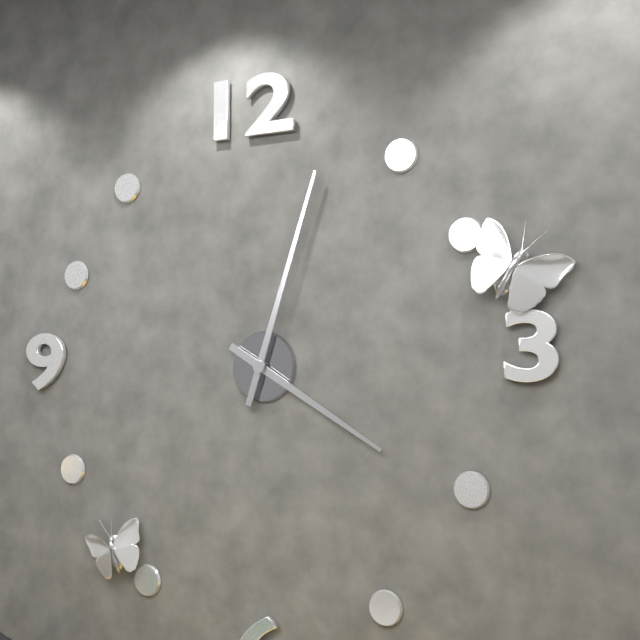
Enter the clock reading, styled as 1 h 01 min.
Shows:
4 h 03 min
